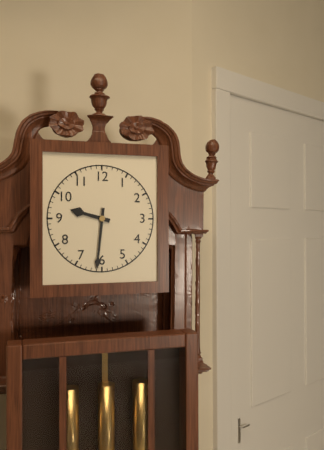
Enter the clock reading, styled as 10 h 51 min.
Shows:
9 h 31 min
